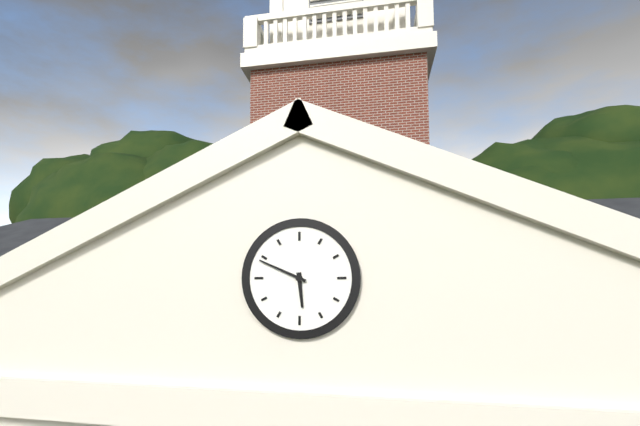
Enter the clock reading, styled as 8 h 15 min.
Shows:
5 h 49 min
